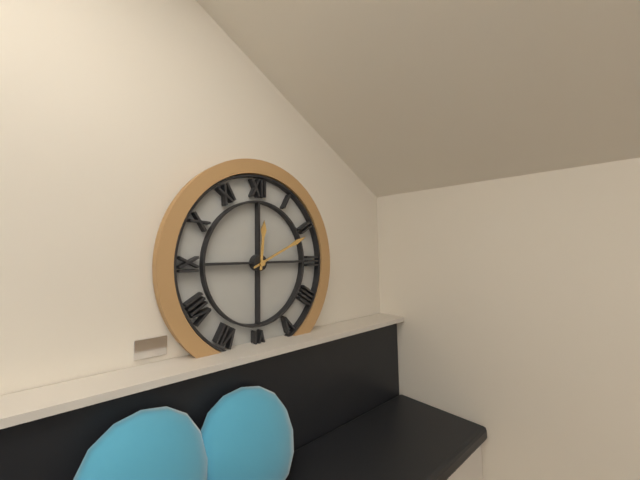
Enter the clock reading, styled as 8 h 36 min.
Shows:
12 h 11 min
